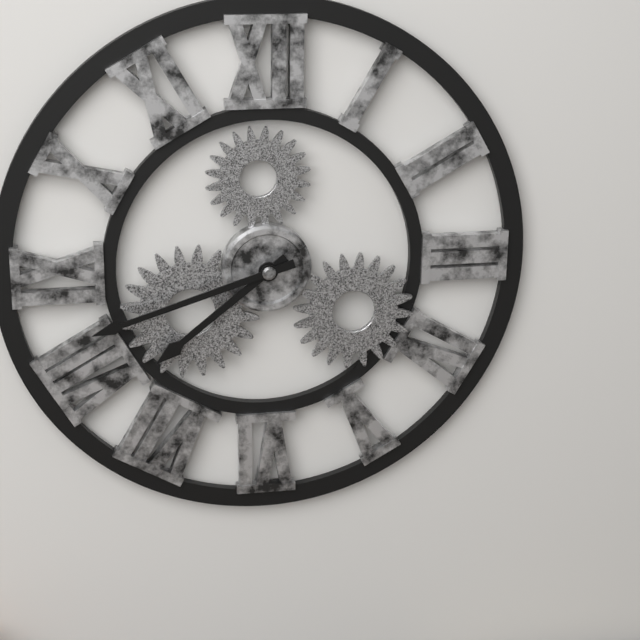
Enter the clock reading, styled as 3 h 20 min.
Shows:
7 h 42 min
